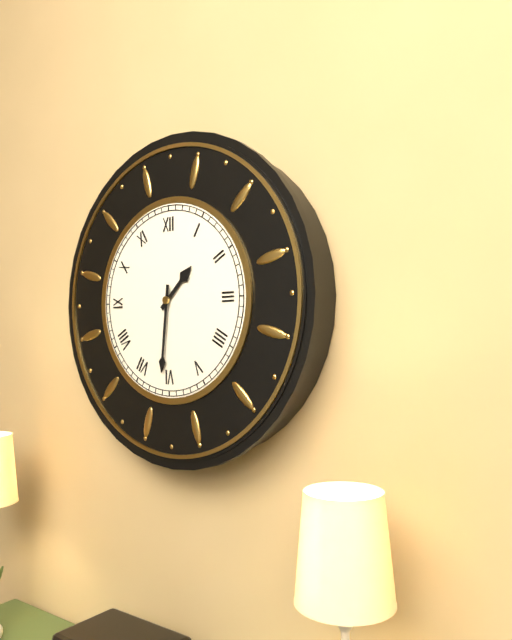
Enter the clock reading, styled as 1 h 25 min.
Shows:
1 h 31 min
